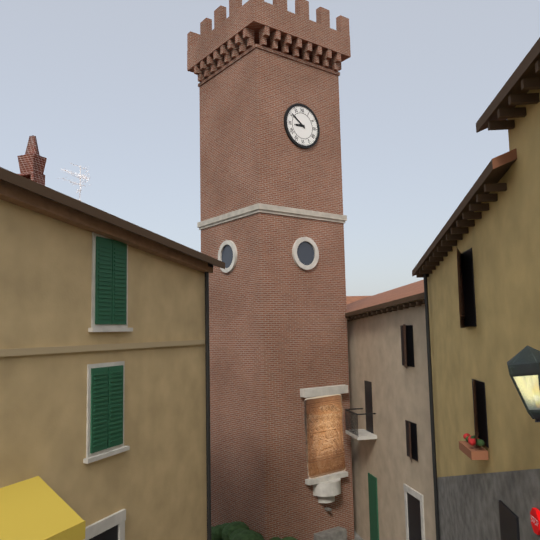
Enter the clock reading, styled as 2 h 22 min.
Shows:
8 h 51 min
